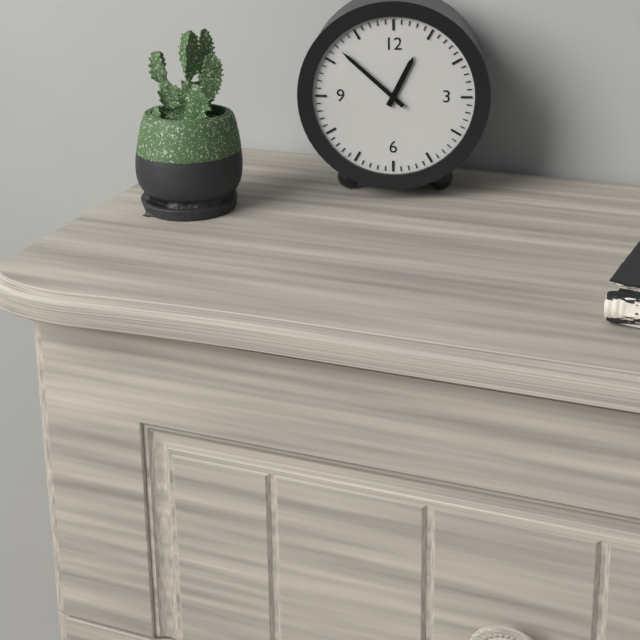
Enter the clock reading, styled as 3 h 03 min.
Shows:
12 h 52 min
